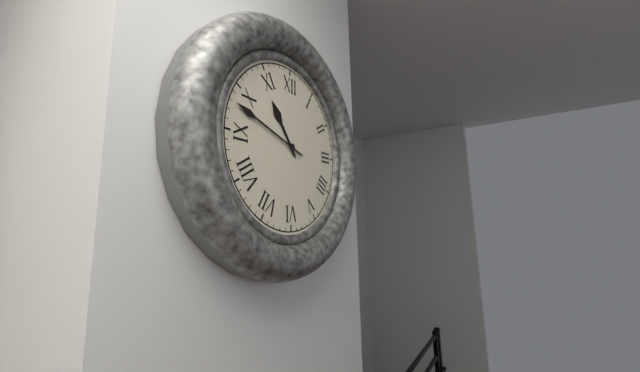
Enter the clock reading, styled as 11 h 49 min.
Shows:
10 h 48 min
